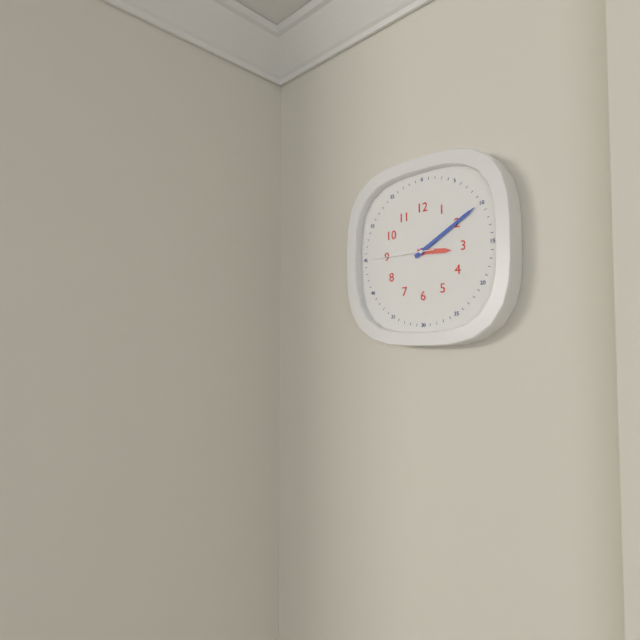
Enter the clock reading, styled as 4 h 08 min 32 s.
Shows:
3 h 10 min 45 s
